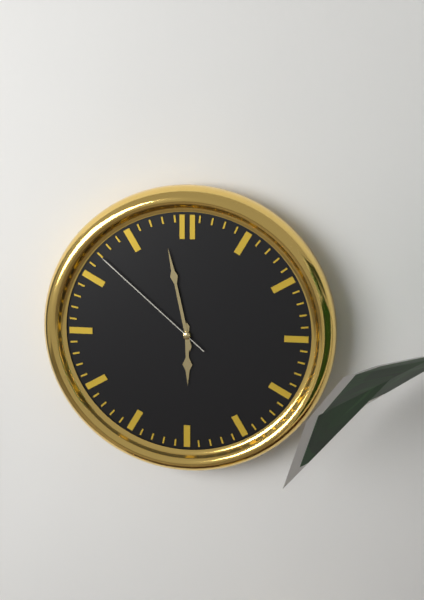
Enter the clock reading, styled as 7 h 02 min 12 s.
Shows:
5 h 58 min 52 s
